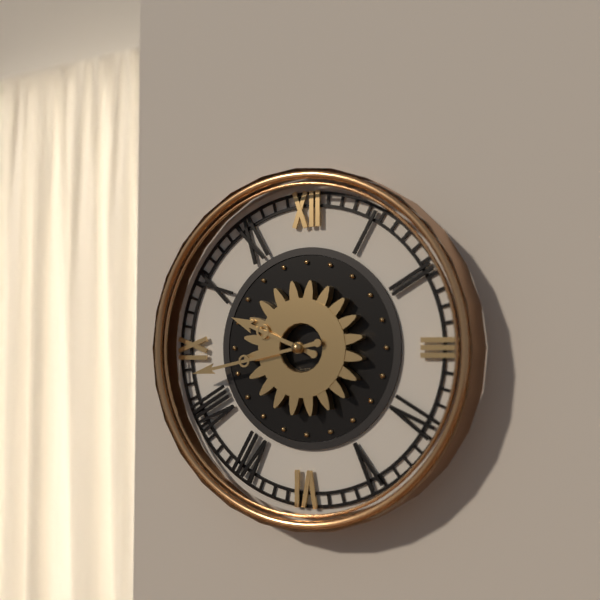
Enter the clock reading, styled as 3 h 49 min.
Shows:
9 h 43 min
